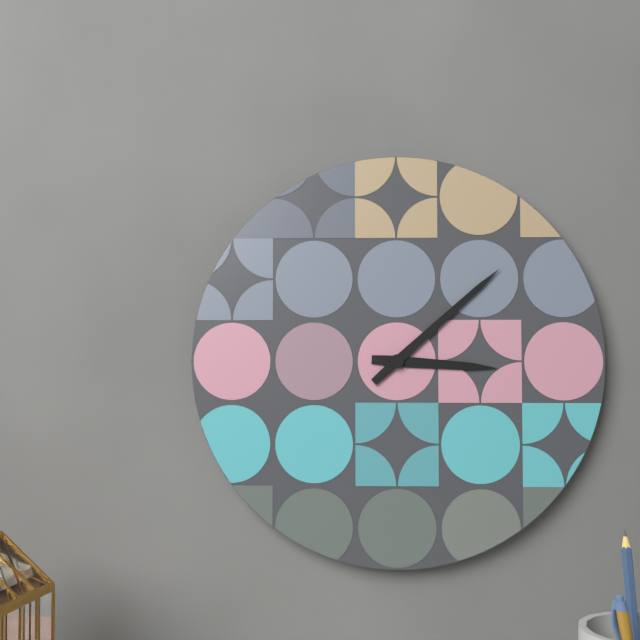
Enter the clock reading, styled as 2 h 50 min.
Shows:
3 h 08 min
